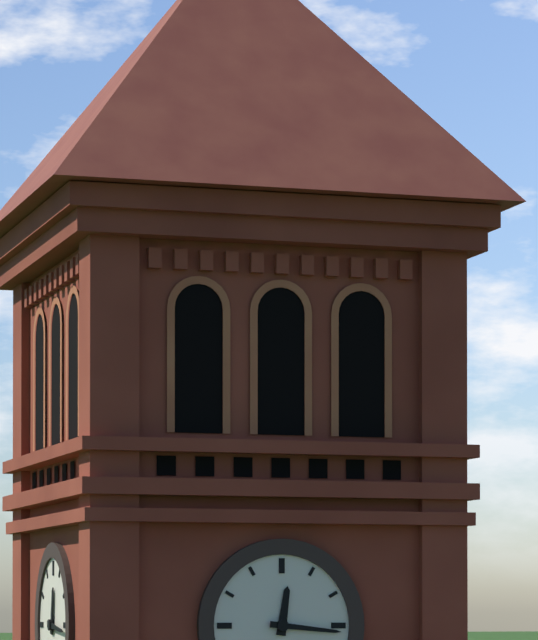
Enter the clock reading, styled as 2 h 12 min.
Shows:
12 h 16 min
